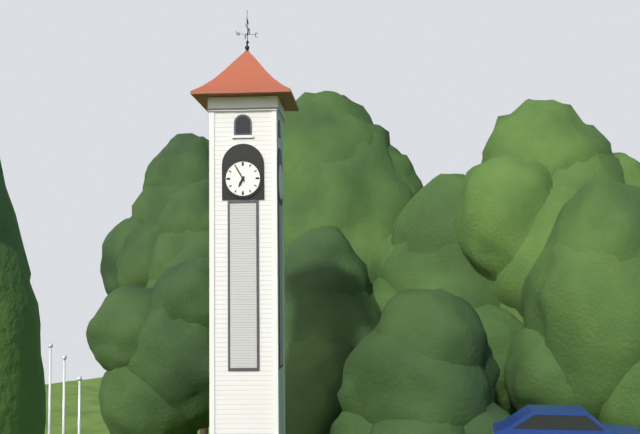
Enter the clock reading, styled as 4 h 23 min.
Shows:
6 h 55 min
